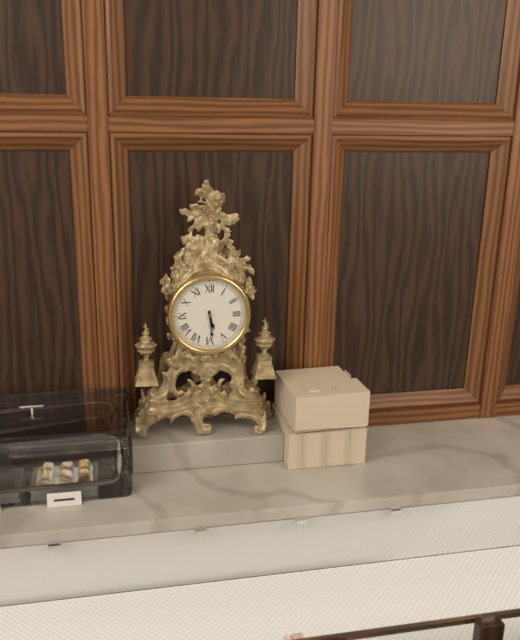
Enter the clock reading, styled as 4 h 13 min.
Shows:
5 h 29 min
